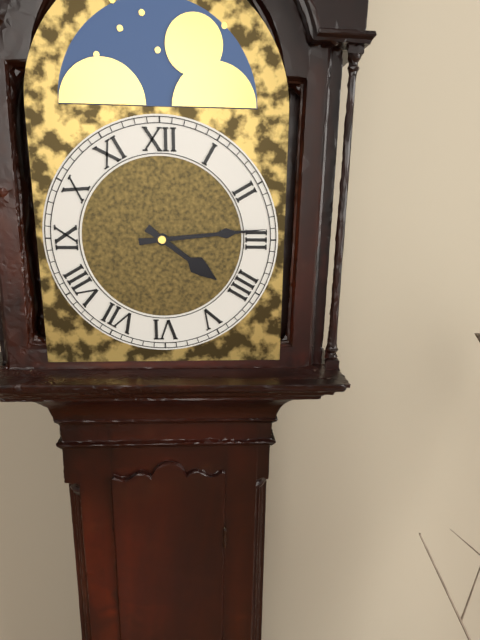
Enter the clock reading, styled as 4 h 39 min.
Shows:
4 h 14 min
